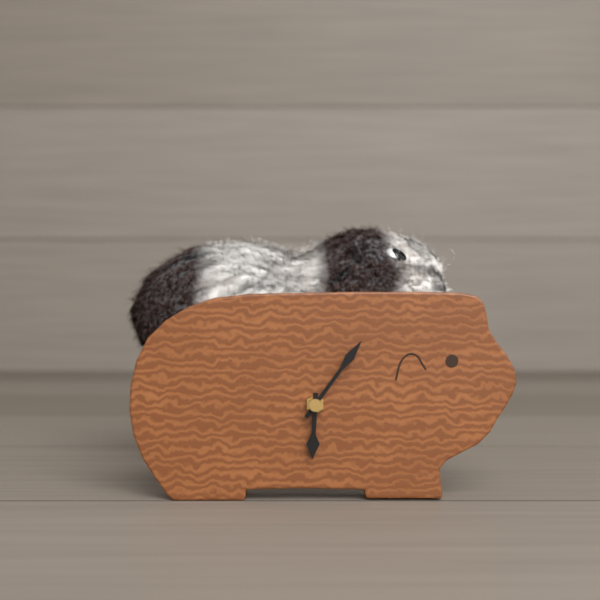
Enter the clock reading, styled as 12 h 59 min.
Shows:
6 h 06 min
